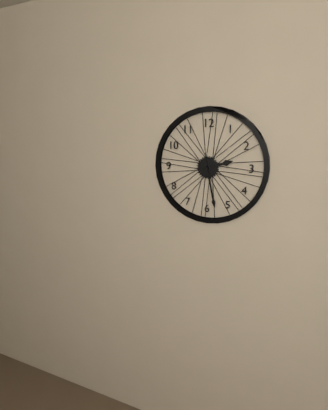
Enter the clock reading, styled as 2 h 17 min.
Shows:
2 h 28 min
